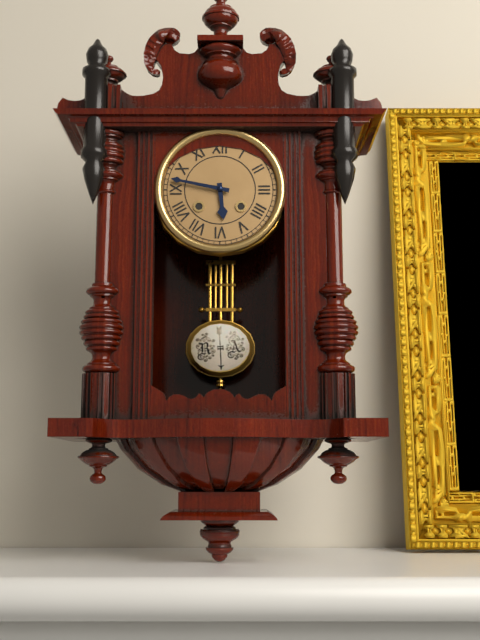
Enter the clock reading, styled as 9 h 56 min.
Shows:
5 h 47 min
